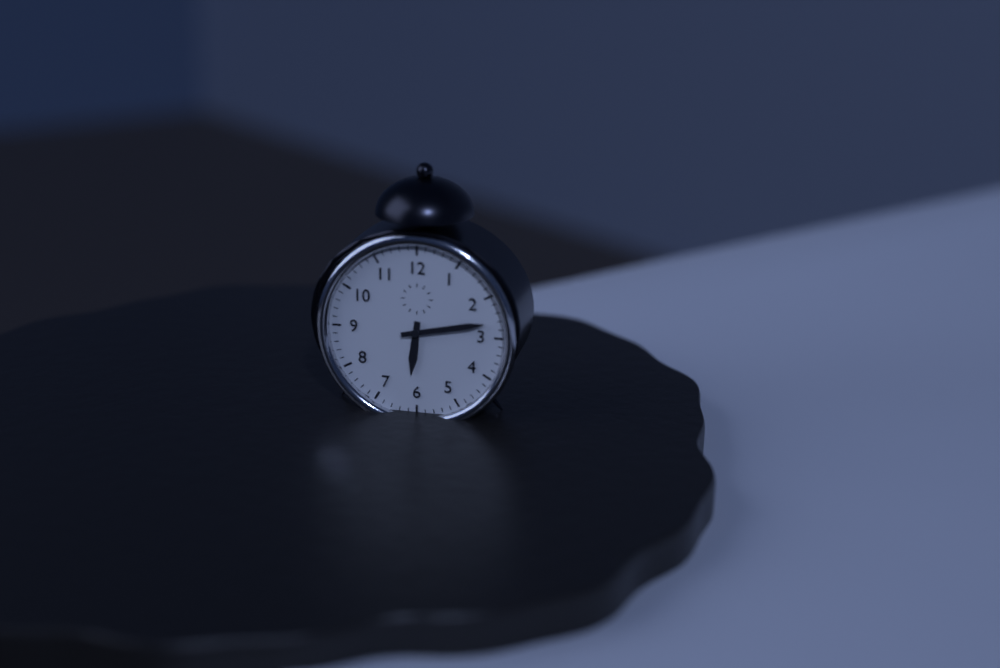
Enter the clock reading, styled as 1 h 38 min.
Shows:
6 h 13 min
